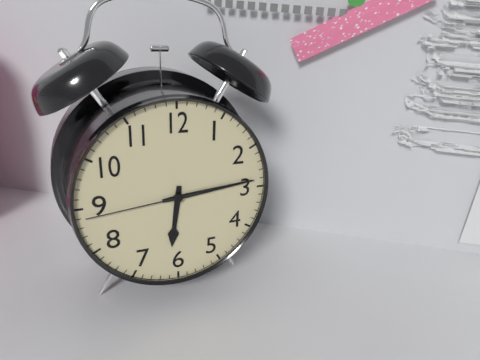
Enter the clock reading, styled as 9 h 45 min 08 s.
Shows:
6 h 14 min 44 s
